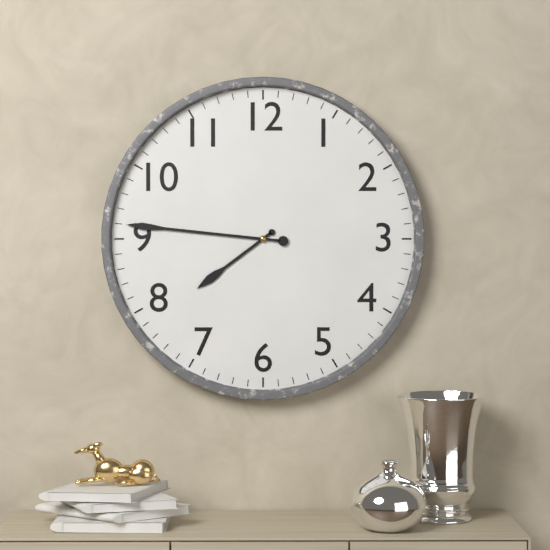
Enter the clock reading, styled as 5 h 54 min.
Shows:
7 h 46 min
